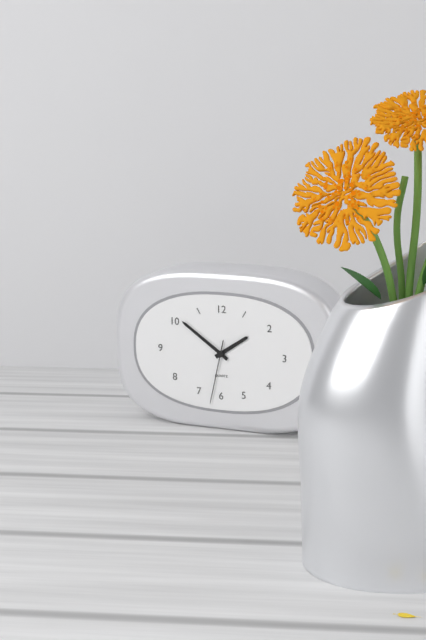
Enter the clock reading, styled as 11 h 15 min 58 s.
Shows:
1 h 51 min 32 s
